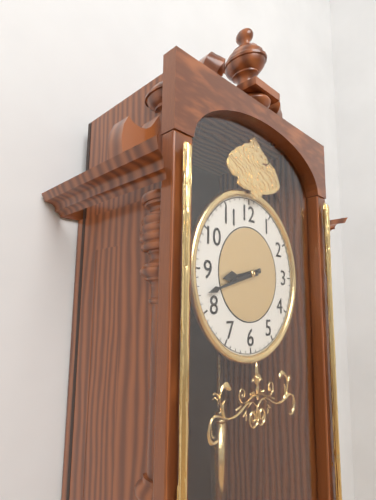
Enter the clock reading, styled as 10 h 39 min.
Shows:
8 h 42 min
